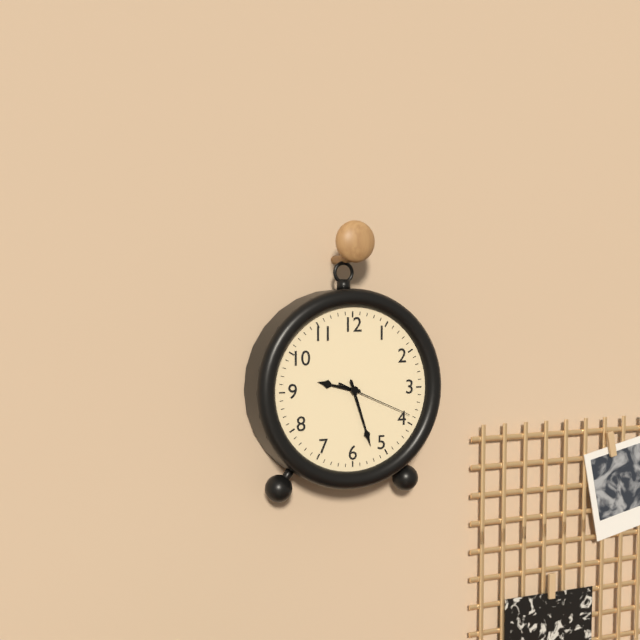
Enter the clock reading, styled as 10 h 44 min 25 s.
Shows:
9 h 27 min 19 s
